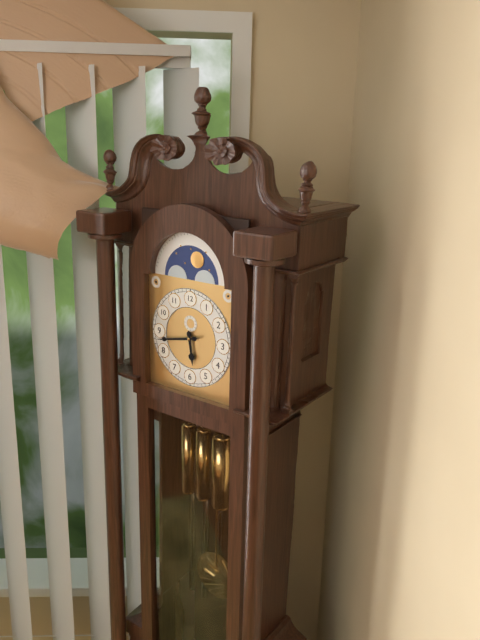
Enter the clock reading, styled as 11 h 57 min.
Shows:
5 h 43 min
